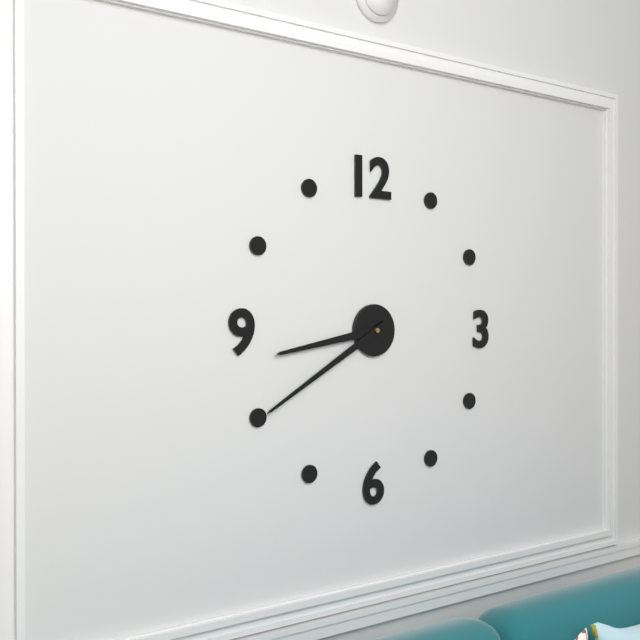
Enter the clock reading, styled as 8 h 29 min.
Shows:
8 h 40 min
